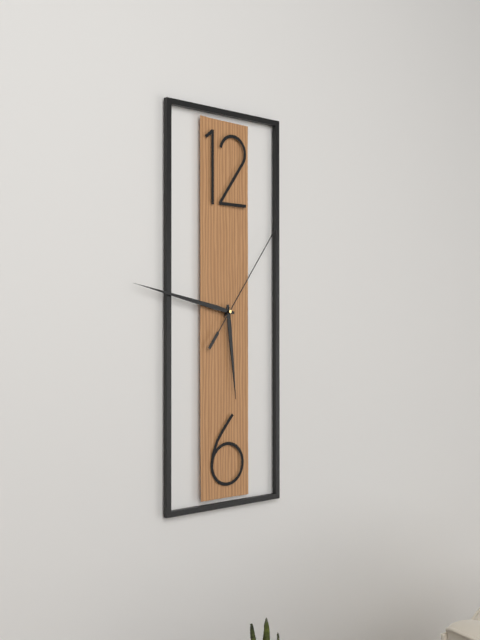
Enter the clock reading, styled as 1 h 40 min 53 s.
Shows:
5 h 47 min 06 s
